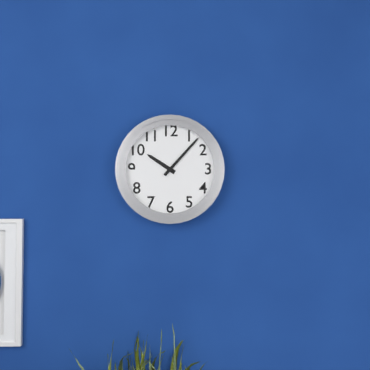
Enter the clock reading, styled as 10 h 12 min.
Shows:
10 h 07 min
